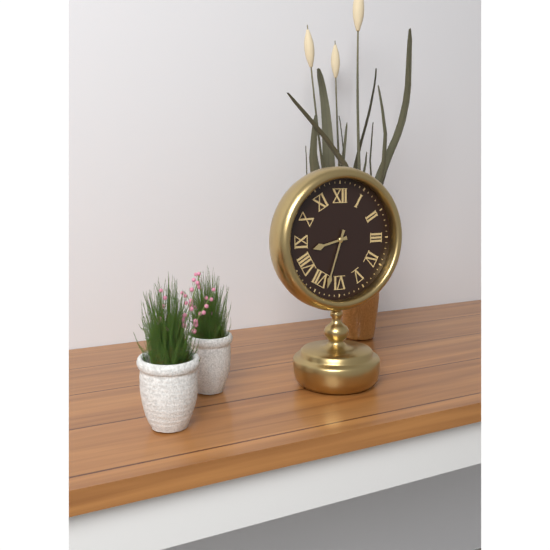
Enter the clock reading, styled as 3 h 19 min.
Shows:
8 h 33 min
